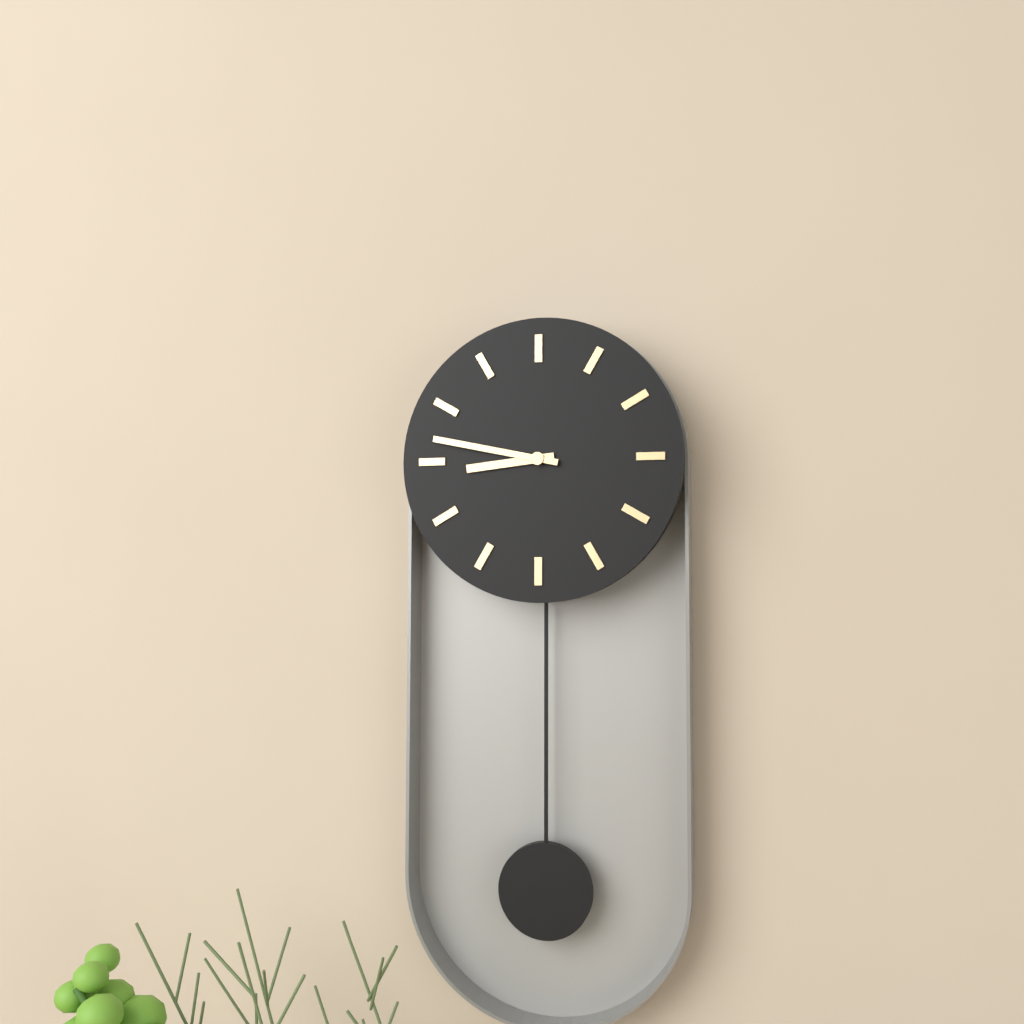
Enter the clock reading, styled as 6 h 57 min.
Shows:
8 h 47 min
